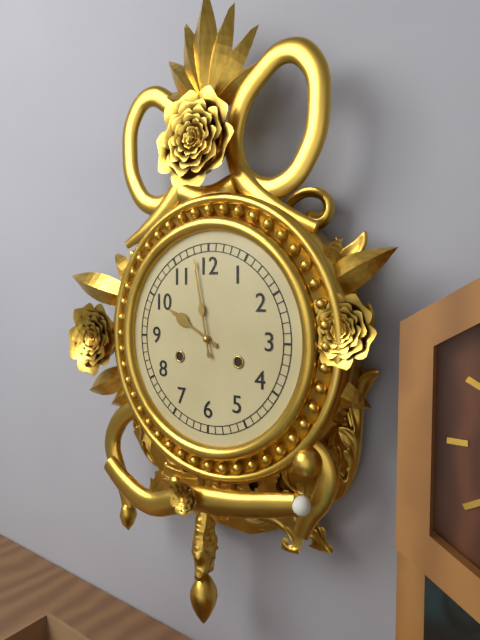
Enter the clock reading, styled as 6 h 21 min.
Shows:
9 h 58 min
